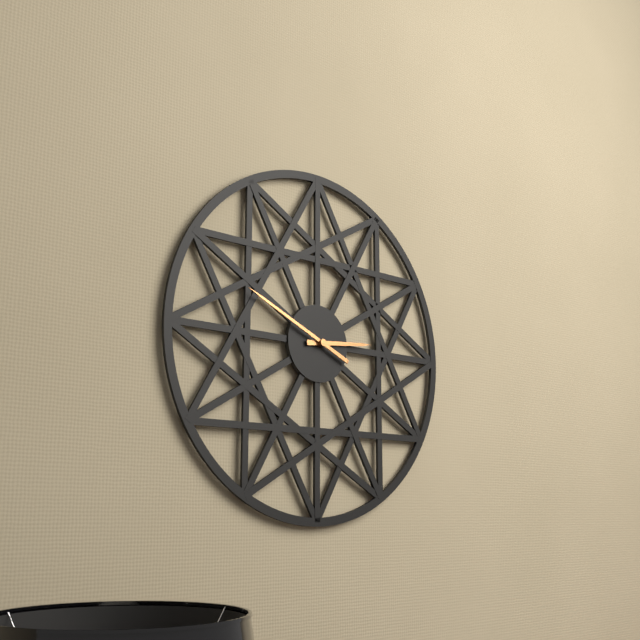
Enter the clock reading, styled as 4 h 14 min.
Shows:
2 h 49 min
